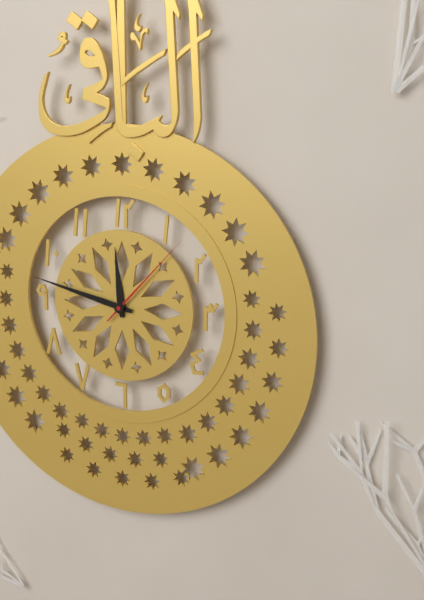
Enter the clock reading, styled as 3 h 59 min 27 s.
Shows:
11 h 47 min 07 s
